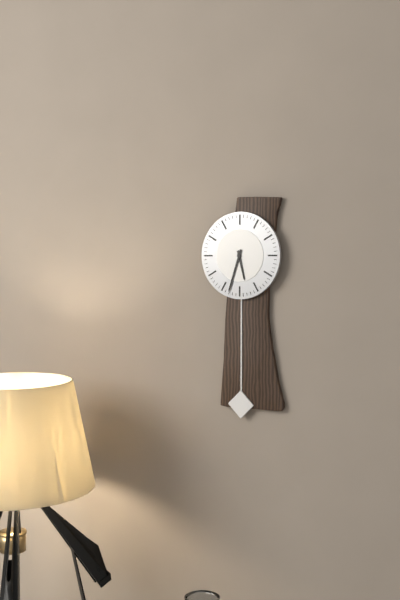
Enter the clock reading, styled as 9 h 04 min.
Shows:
5 h 33 min
